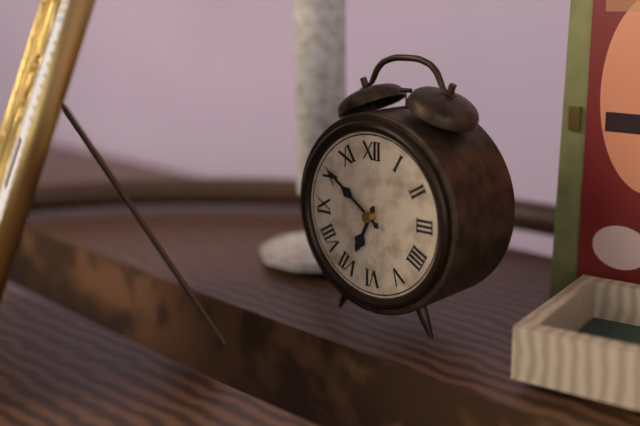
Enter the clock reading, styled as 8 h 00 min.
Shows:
6 h 51 min
